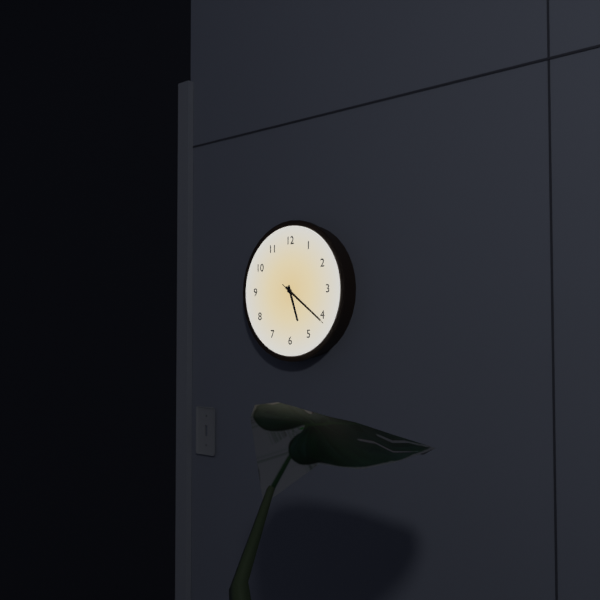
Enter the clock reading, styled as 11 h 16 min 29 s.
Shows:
5 h 21 min 21 s
